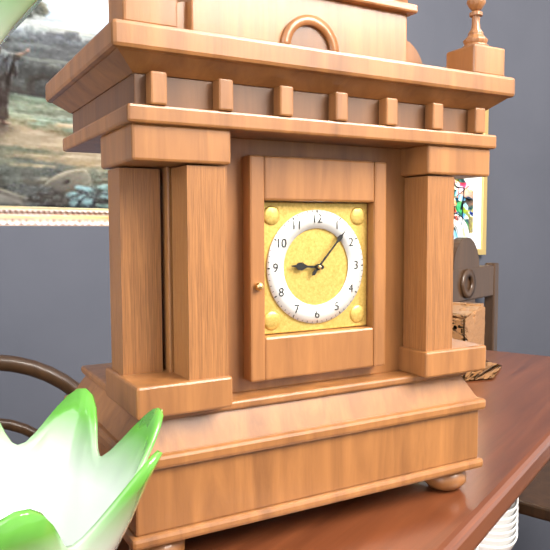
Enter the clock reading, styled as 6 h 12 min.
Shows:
9 h 07 min
